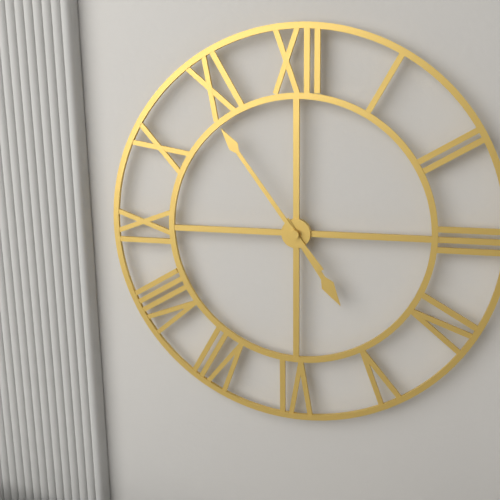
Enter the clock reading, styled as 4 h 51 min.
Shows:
4 h 54 min
